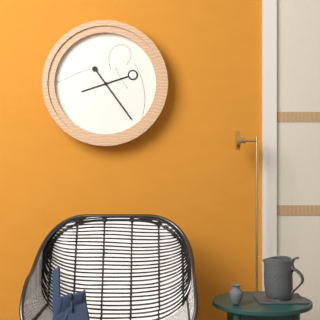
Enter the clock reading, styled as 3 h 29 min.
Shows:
8 h 24 min
